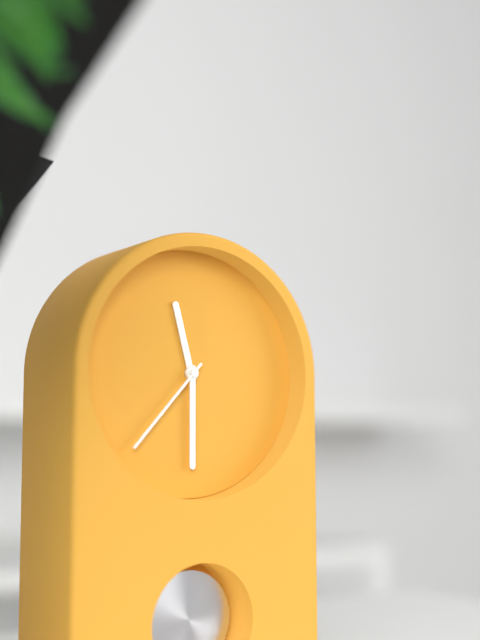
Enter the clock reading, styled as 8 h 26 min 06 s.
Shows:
11 h 30 min 37 s
